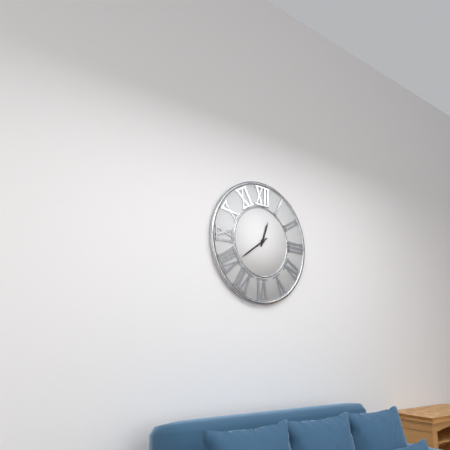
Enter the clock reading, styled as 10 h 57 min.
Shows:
12 h 39 min
